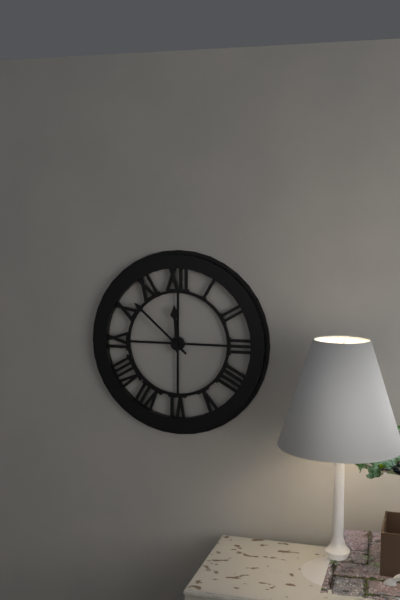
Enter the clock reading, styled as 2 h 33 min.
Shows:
11 h 52 min
